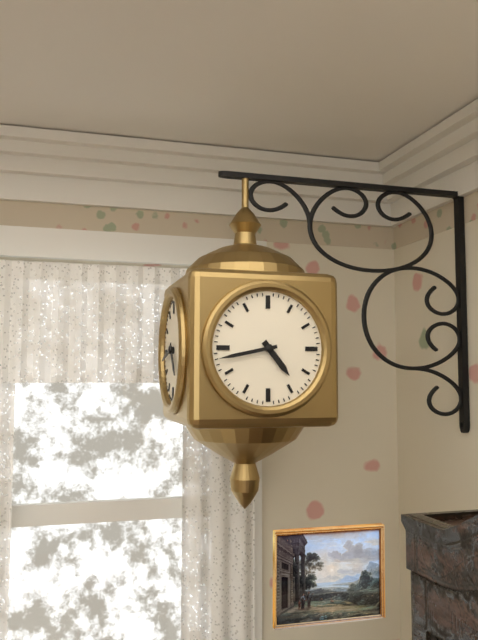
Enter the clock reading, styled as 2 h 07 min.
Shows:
4 h 43 min
